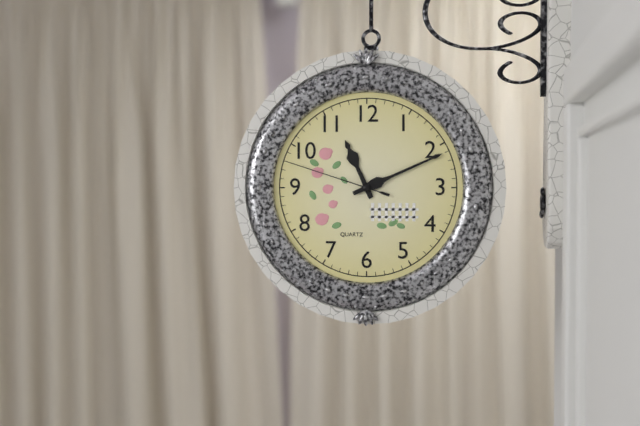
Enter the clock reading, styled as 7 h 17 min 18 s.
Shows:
11 h 11 min 48 s
